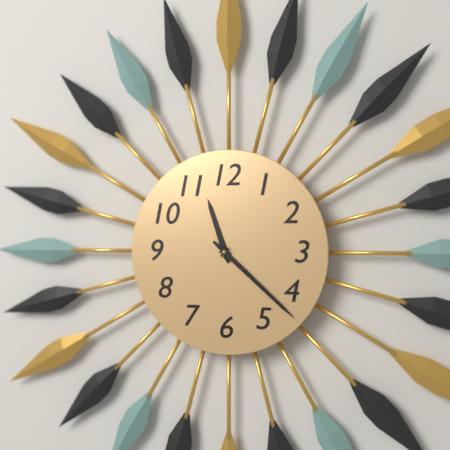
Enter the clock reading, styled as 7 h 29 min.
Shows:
11 h 22 min
